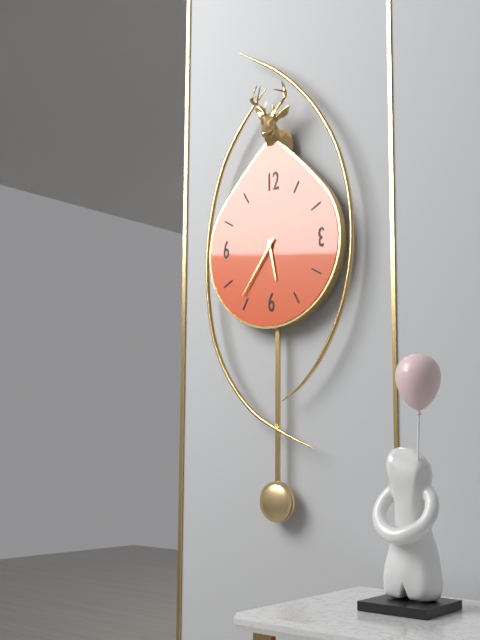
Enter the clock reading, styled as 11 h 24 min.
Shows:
5 h 36 min
